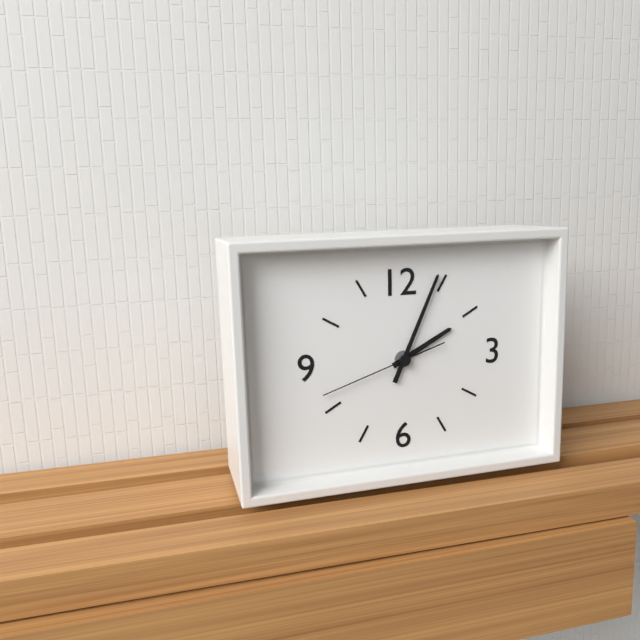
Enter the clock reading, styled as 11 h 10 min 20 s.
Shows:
2 h 04 min 42 s
